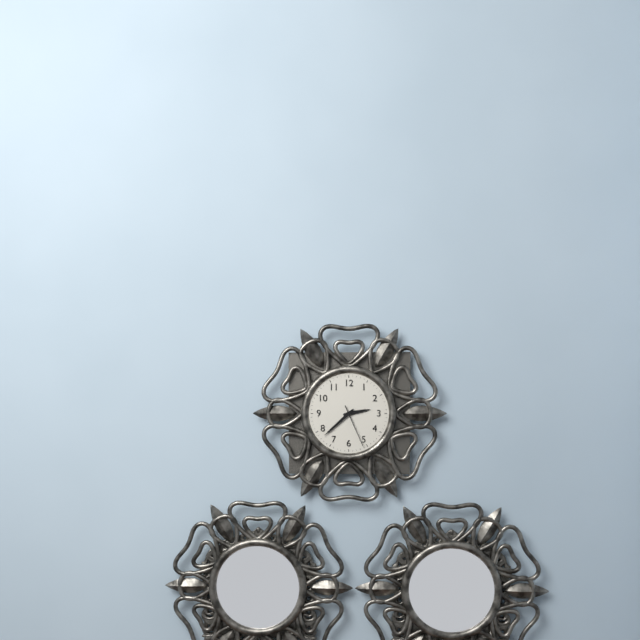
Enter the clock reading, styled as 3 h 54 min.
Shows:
2 h 38 min
